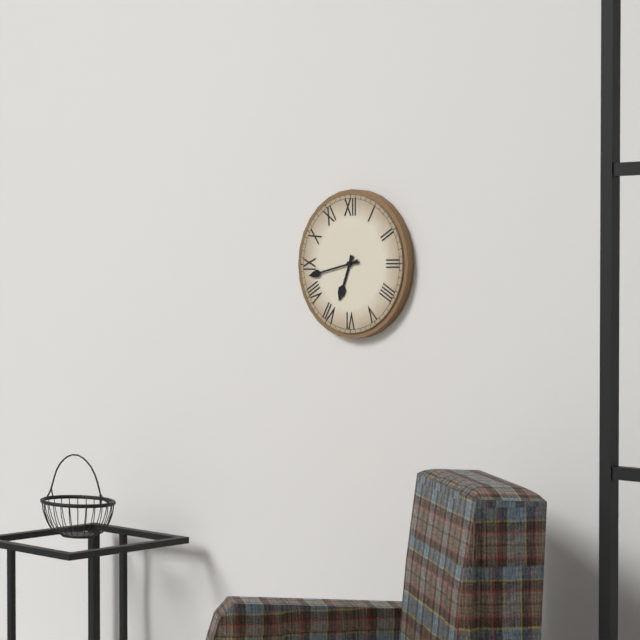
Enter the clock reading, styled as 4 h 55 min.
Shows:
6 h 43 min
